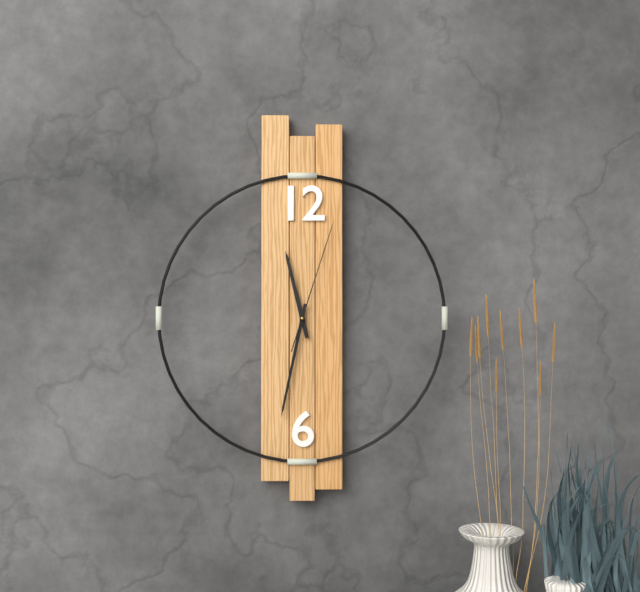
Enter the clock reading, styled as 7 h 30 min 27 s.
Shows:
11 h 32 min 03 s
